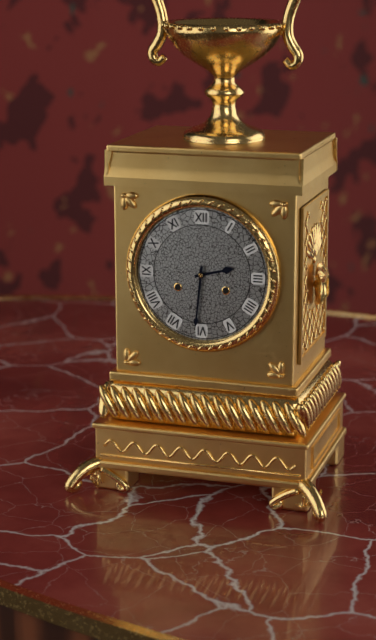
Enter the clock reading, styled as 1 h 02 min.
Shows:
2 h 31 min
